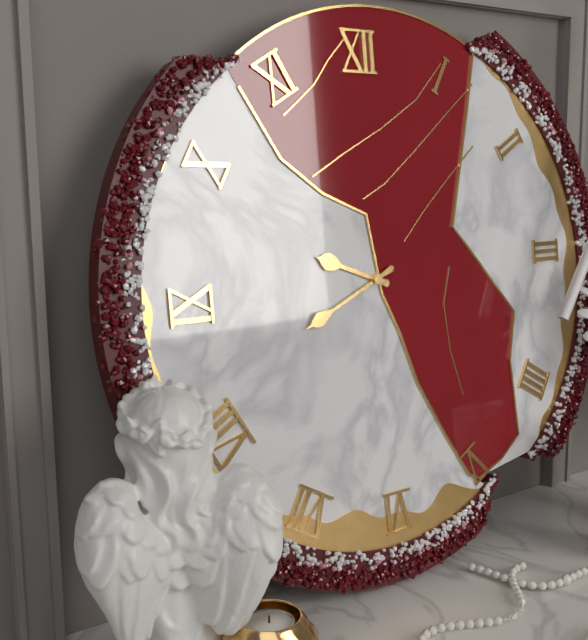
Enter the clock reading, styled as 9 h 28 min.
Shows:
9 h 41 min
